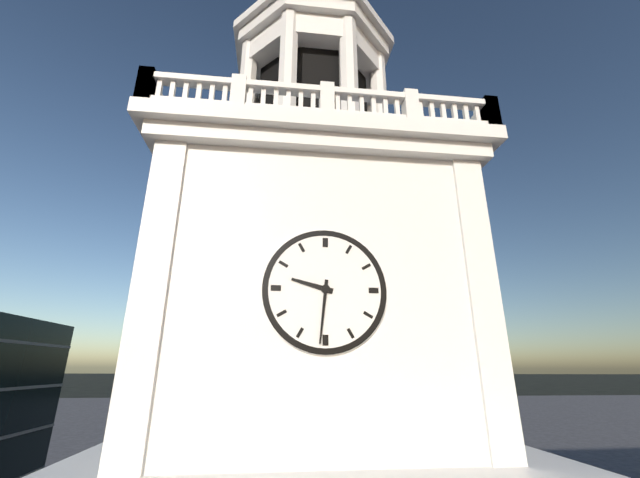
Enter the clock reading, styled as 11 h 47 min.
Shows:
9 h 31 min
